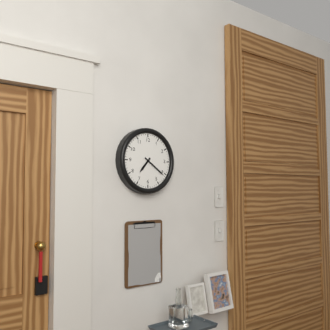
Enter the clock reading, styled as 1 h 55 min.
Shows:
7 h 21 min
